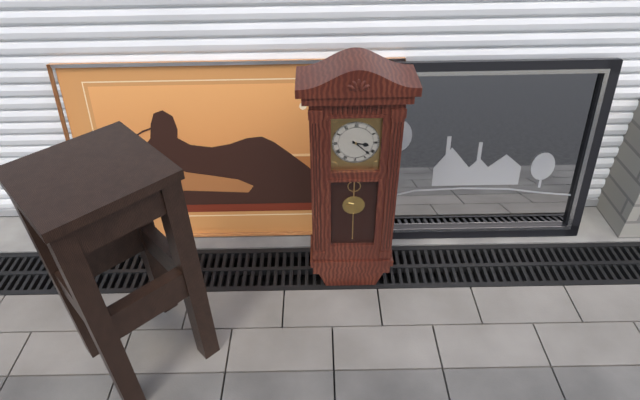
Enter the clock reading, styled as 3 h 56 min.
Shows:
3 h 22 min
